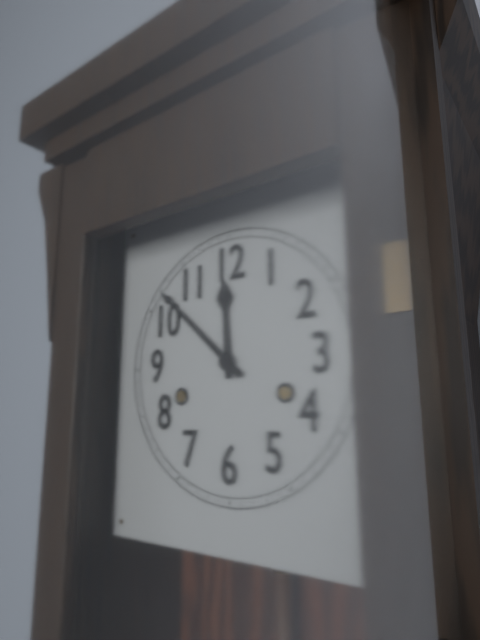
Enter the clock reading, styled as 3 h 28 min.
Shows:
11 h 52 min
